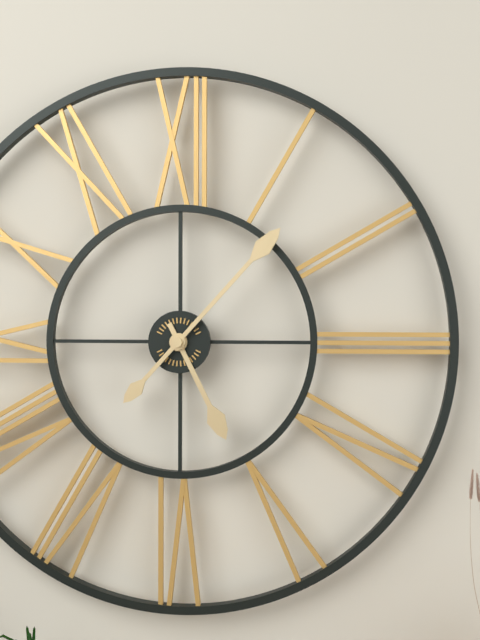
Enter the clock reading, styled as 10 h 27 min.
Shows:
5 h 07 min
